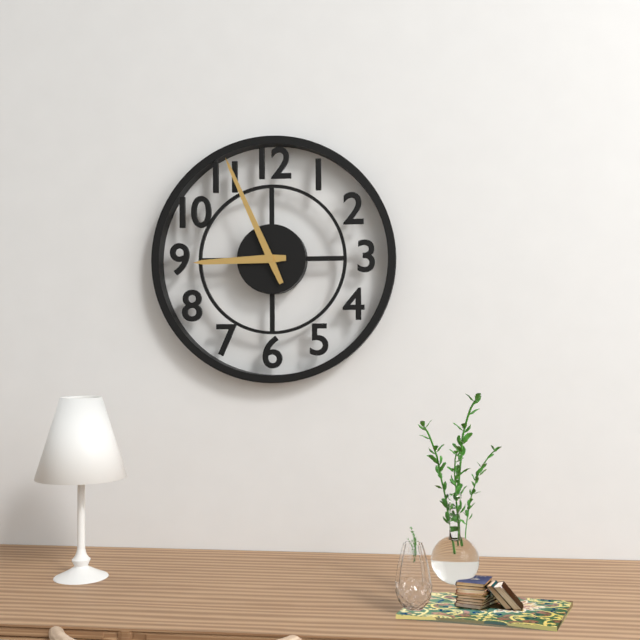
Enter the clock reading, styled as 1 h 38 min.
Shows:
8 h 56 min
